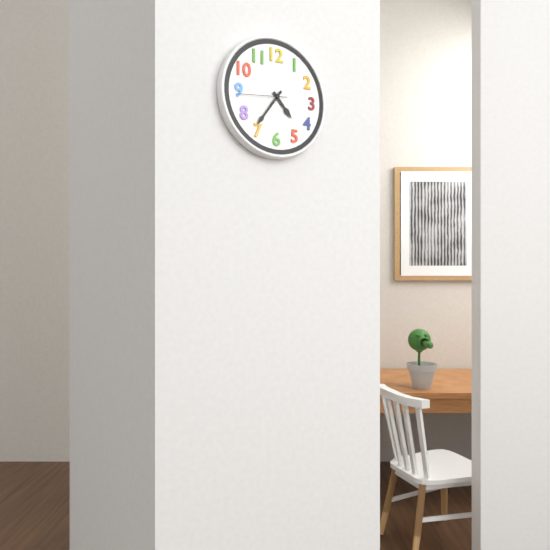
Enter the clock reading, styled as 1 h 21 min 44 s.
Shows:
4 h 36 min 44 s
